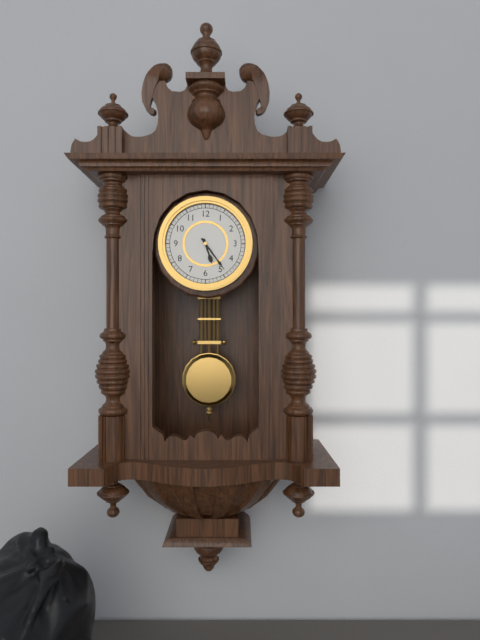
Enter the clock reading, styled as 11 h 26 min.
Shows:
5 h 24 min
